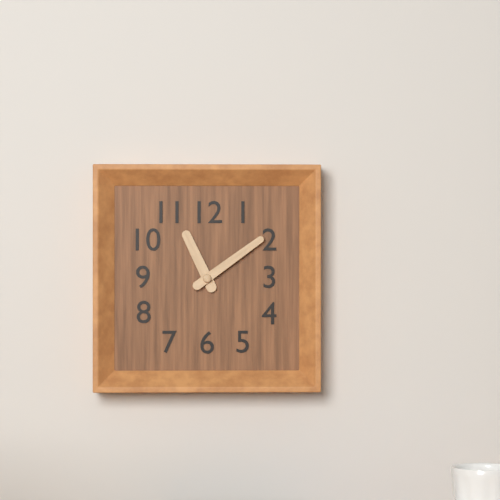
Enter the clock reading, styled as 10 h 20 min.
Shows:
11 h 09 min
